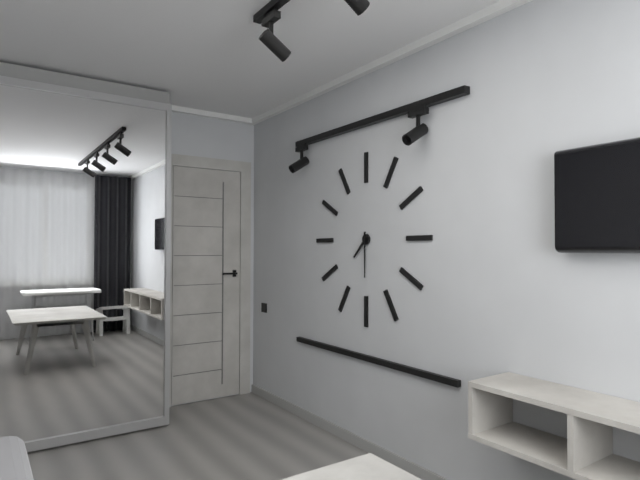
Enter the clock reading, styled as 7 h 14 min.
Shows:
7 h 30 min
